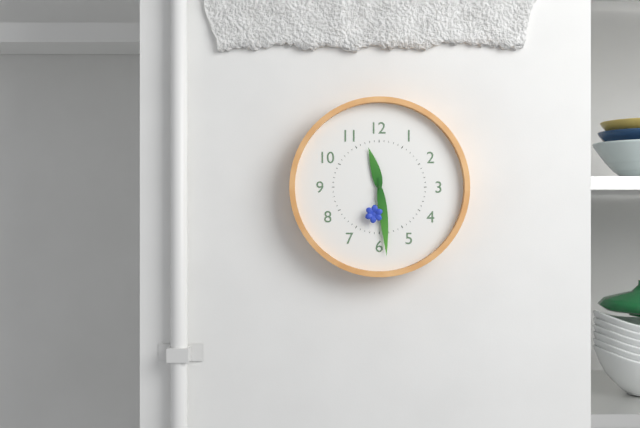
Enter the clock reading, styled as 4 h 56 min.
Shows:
11 h 29 min
